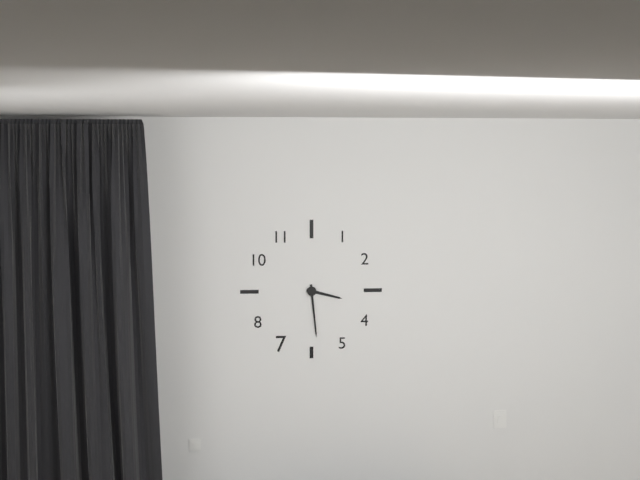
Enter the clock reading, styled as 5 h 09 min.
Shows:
3 h 29 min
